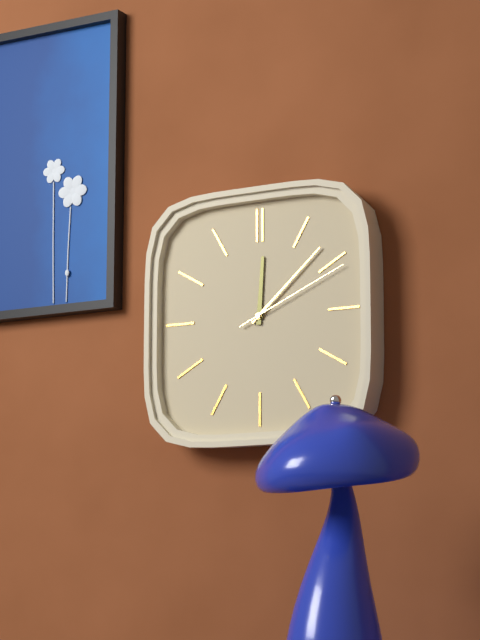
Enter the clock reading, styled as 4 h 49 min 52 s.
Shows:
12 h 08 min 11 s
